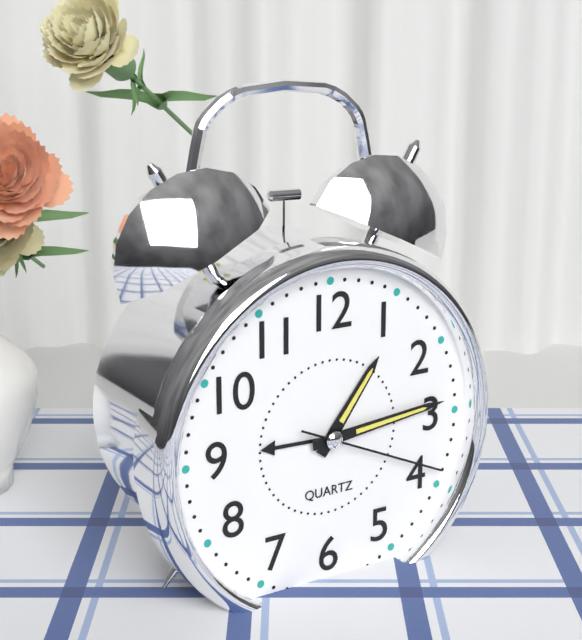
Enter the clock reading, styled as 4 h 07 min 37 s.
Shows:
1 h 14 min 19 s
